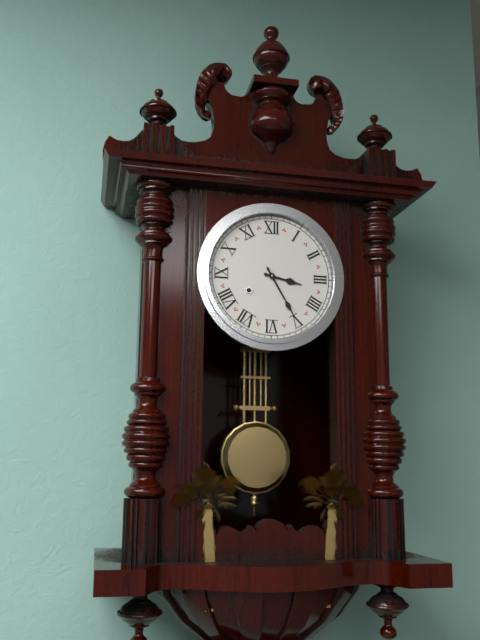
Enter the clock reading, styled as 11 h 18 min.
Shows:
3 h 25 min
